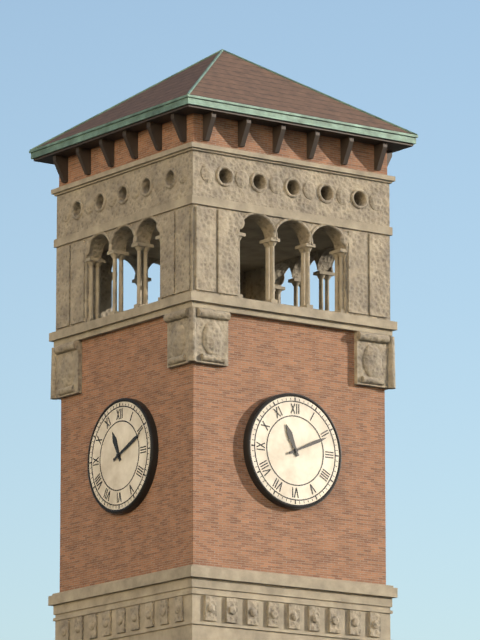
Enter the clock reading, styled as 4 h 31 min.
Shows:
11 h 11 min
